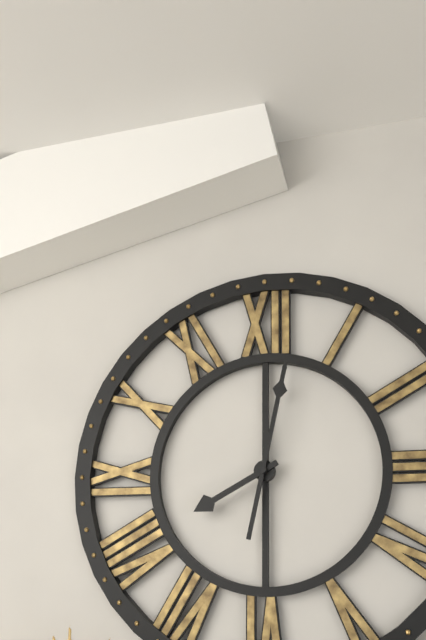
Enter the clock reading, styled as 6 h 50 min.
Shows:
8 h 02 min
